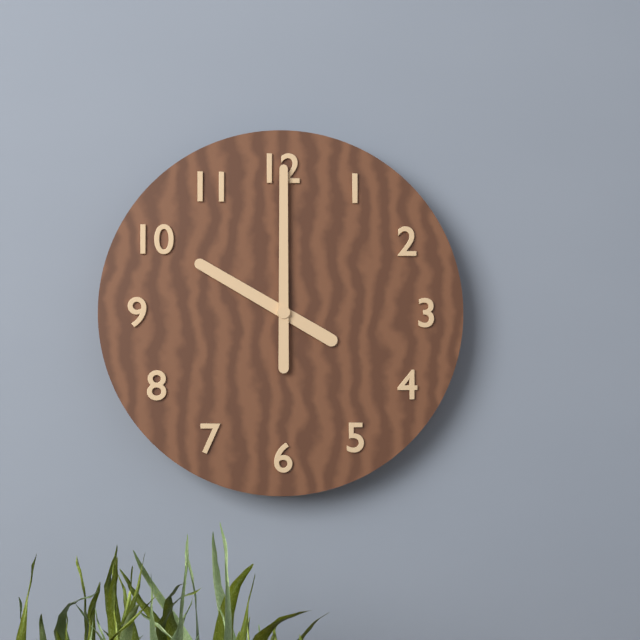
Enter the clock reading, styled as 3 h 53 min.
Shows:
10 h 00 min
